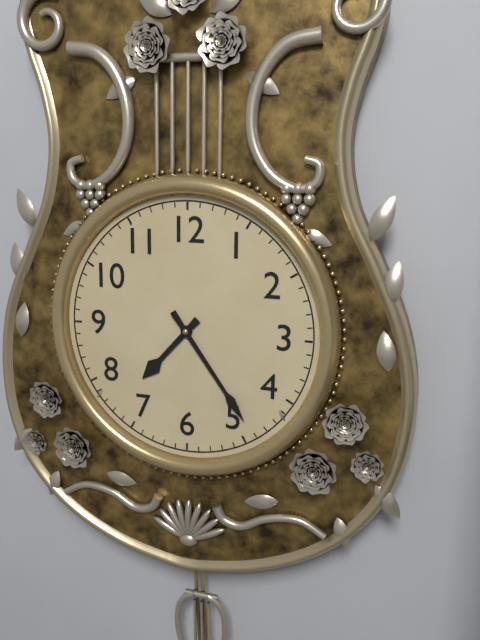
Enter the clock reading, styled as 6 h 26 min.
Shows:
7 h 24 min
